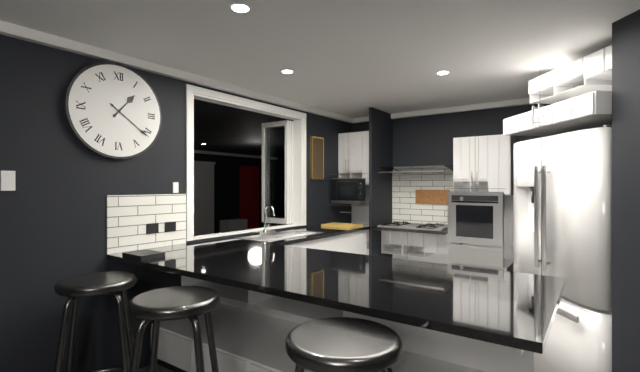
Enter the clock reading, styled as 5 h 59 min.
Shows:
1 h 21 min
